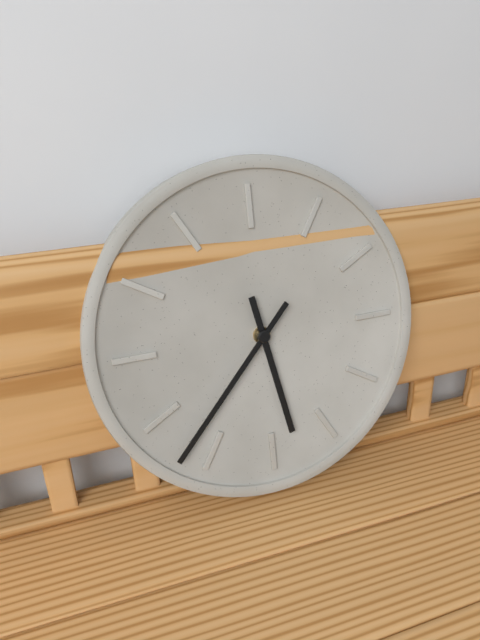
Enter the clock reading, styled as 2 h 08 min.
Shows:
5 h 37 min
